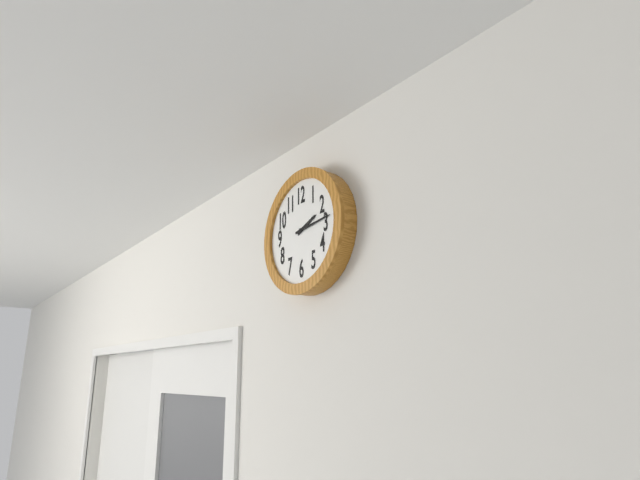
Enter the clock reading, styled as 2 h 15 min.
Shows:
2 h 14 min
